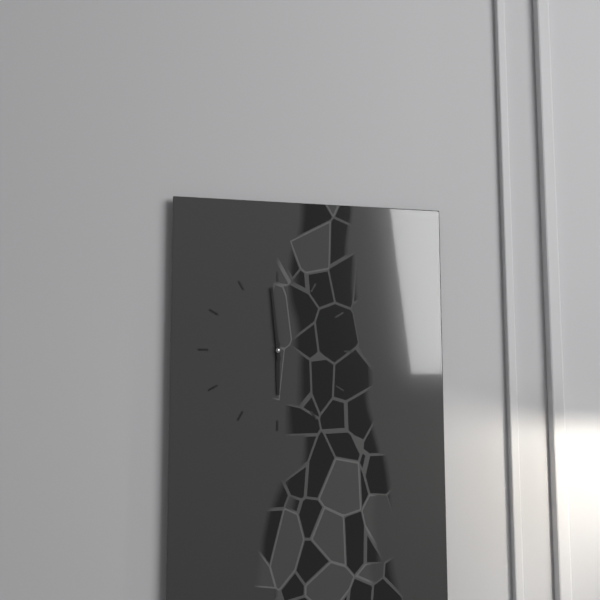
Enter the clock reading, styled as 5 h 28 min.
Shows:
5 h 59 min
